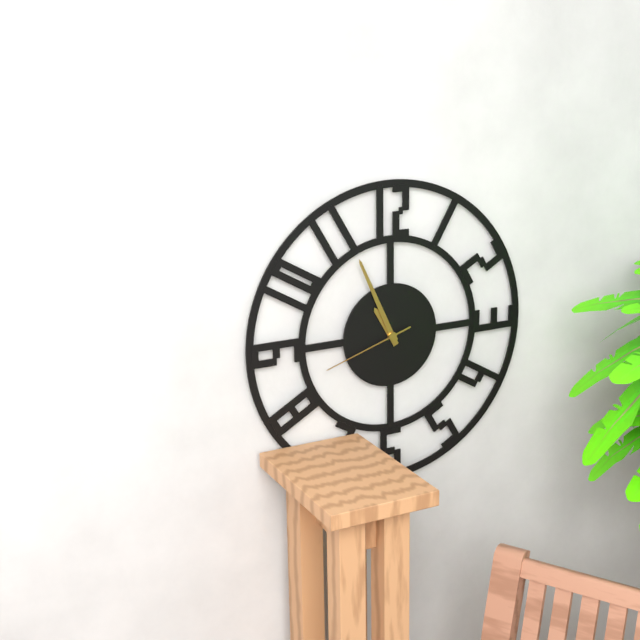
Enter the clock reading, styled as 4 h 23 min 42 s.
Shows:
10 h 56 min 42 s
